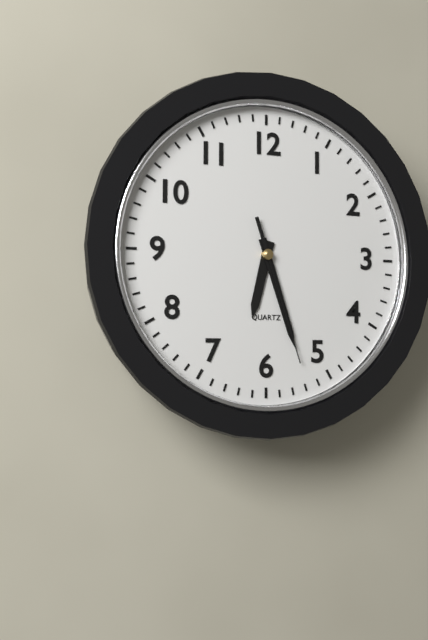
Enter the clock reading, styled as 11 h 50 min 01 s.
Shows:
6 h 27 min 27 s
